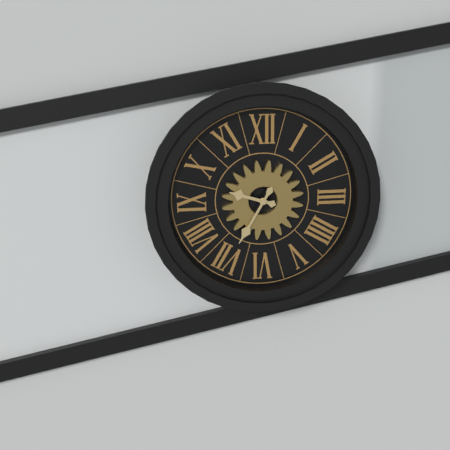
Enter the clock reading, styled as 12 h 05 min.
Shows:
9 h 35 min
